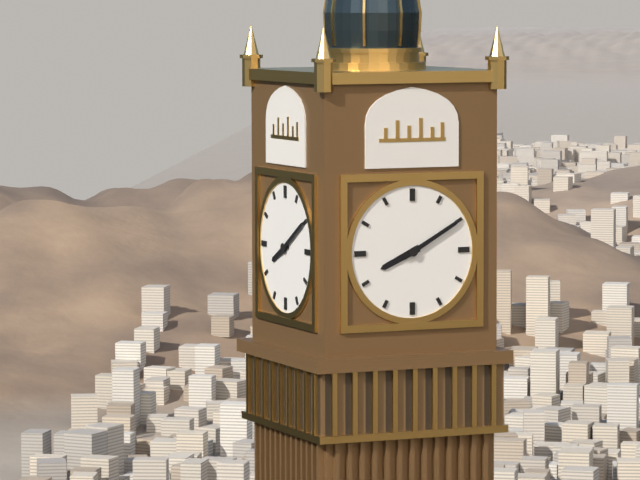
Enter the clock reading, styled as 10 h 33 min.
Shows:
8 h 10 min
